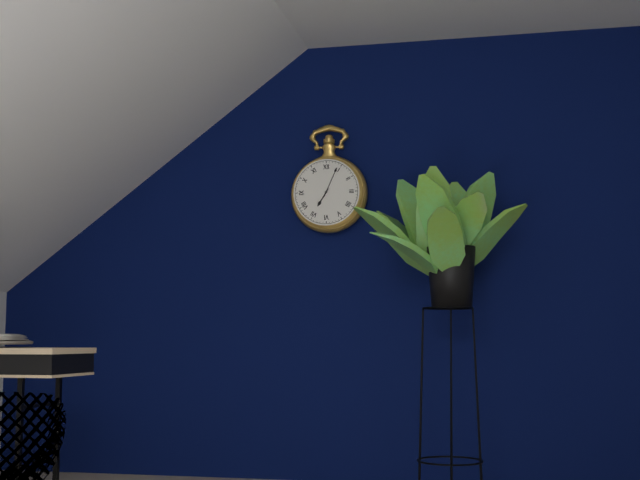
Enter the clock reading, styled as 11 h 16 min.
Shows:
7 h 04 min
